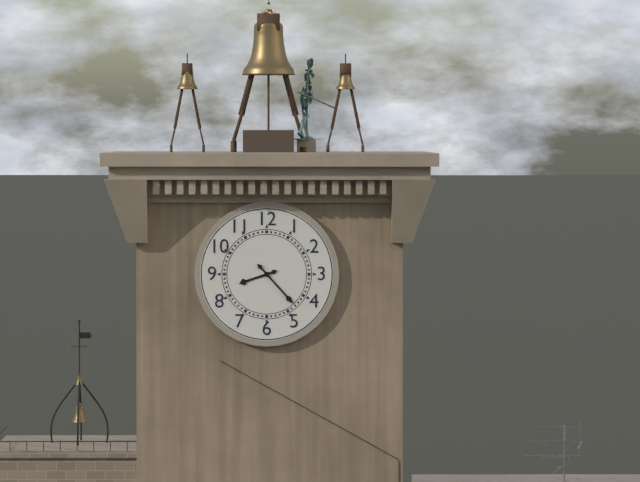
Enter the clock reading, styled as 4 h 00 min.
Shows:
8 h 23 min
